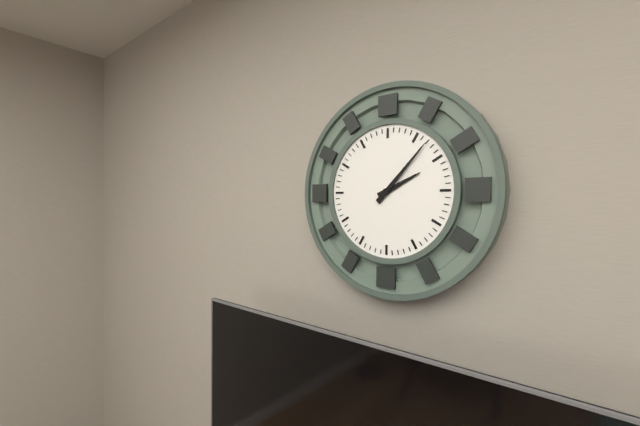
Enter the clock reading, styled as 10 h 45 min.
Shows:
2 h 07 min
